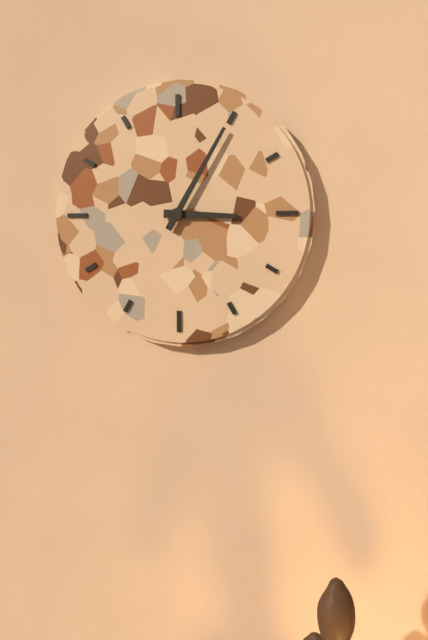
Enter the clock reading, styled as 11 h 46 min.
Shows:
3 h 05 min
